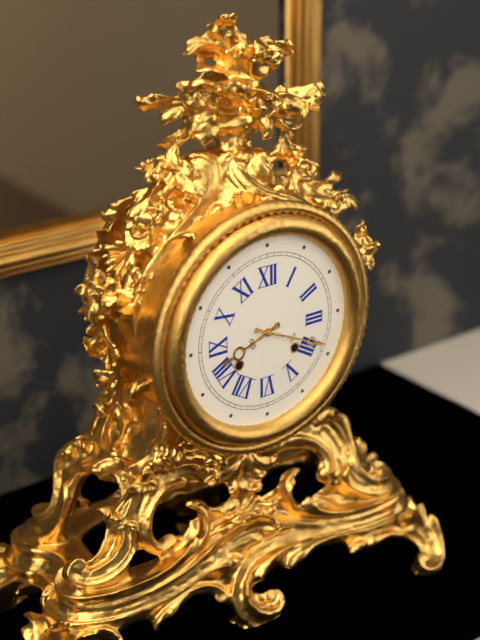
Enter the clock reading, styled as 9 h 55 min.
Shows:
8 h 19 min
